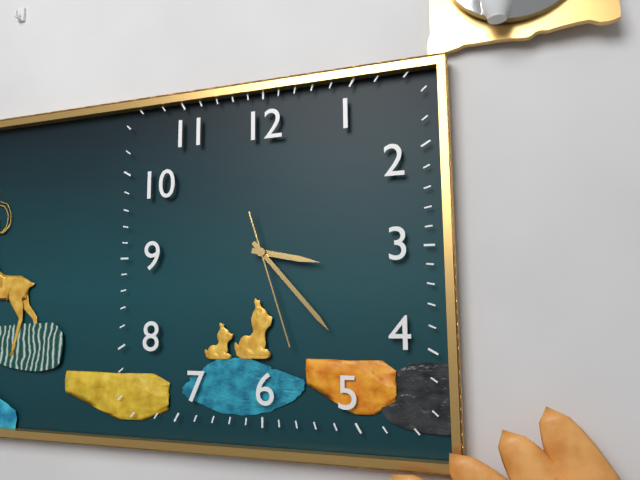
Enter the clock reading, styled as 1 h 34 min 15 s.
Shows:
3 h 23 min 27 s
